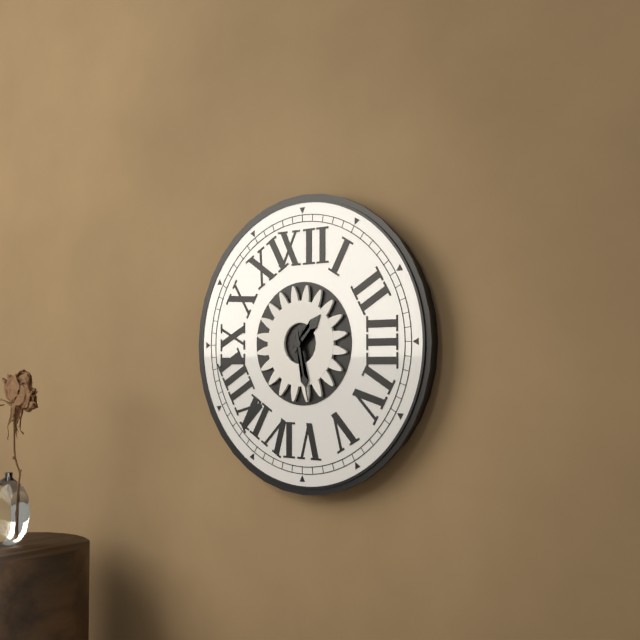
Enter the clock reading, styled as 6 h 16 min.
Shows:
1 h 28 min
